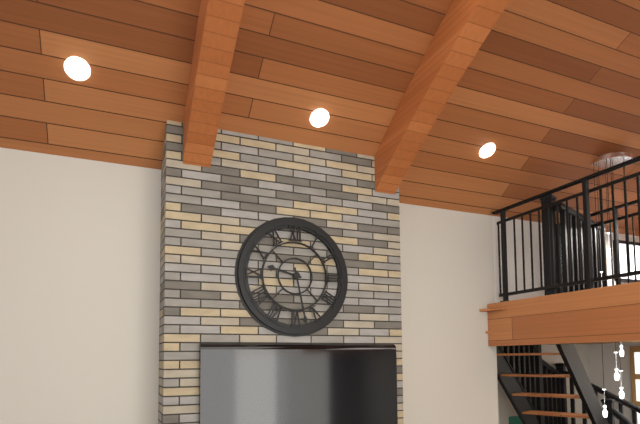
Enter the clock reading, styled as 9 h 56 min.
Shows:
9 h 28 min
